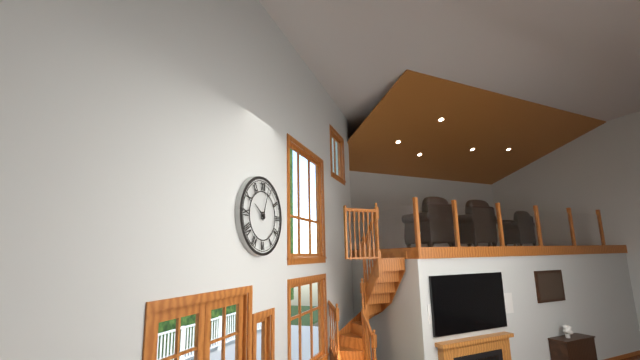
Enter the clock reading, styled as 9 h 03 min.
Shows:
10 h 03 min
